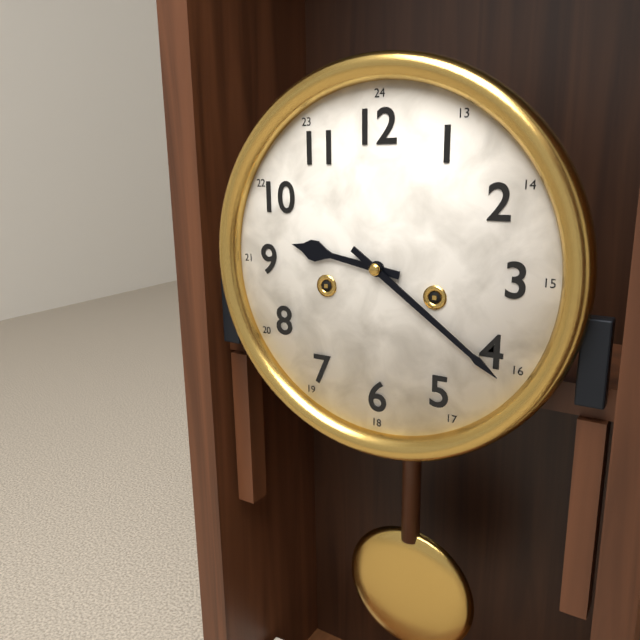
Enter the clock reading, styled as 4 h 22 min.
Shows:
9 h 21 min
